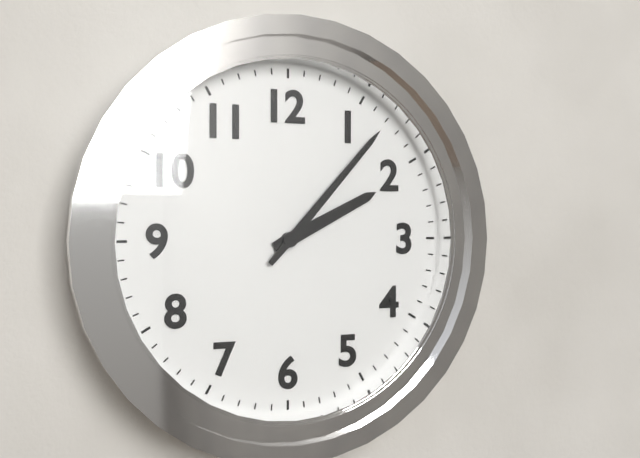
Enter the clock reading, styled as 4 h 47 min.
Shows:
2 h 07 min
